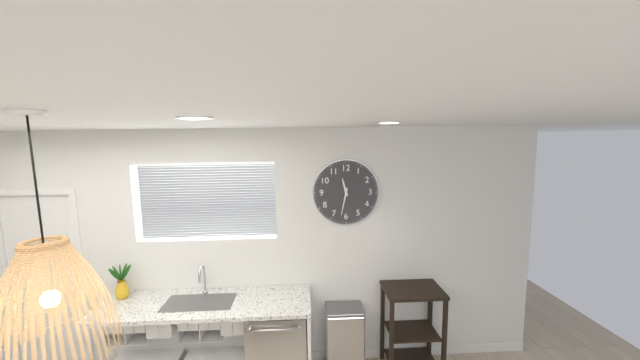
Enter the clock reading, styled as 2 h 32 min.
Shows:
11 h 32 min
